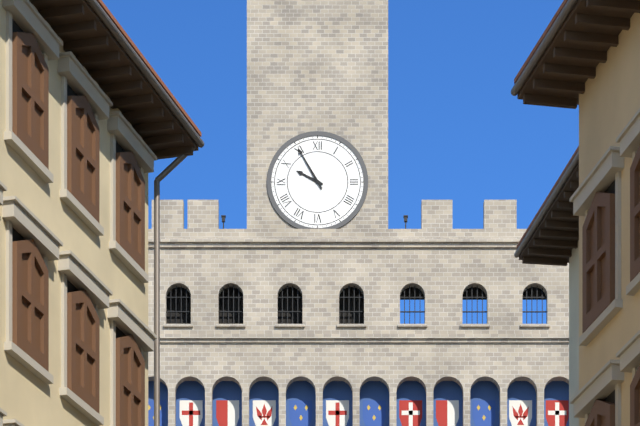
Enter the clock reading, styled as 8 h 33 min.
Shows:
9 h 55 min
